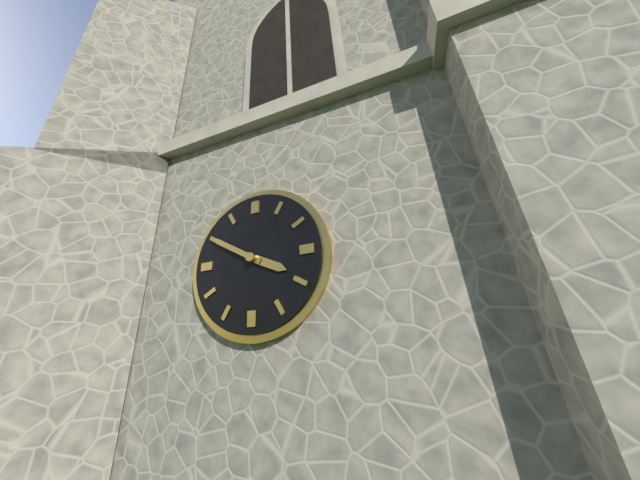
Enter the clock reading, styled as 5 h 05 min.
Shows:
3 h 50 min
